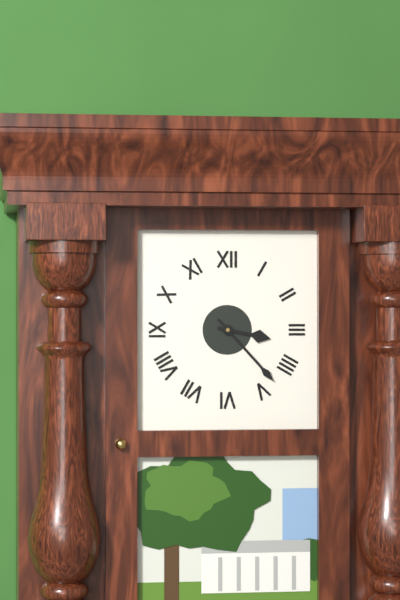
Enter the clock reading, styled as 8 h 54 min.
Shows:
3 h 23 min
